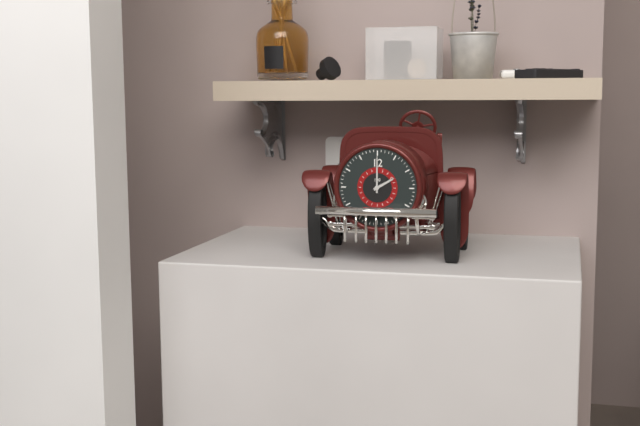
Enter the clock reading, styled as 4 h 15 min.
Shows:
2 h 00 min
